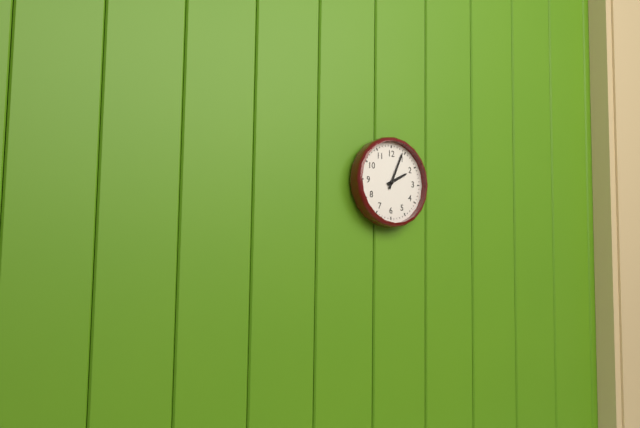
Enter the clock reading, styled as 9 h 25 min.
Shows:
2 h 04 min
